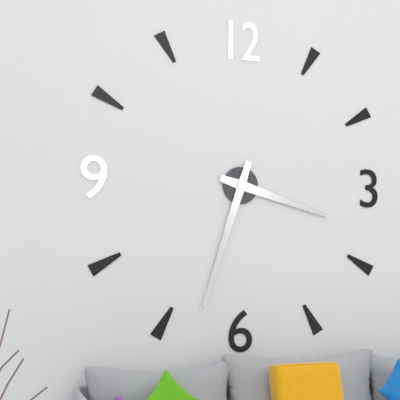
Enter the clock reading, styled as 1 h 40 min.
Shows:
3 h 33 min
